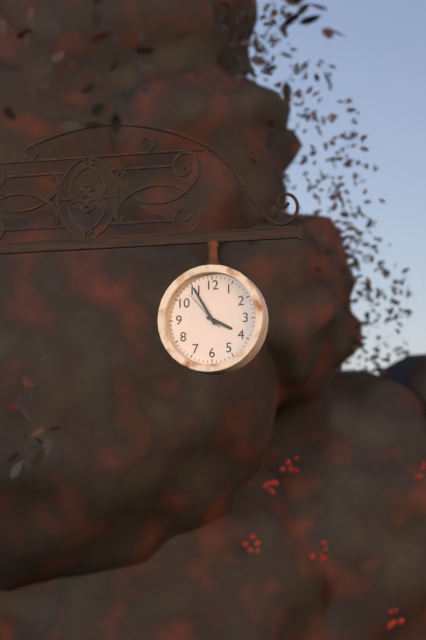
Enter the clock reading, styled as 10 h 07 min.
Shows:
3 h 55 min
